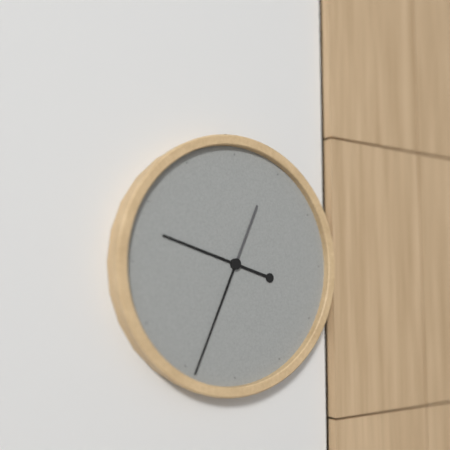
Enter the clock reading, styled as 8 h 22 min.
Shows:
9 h 34 min
